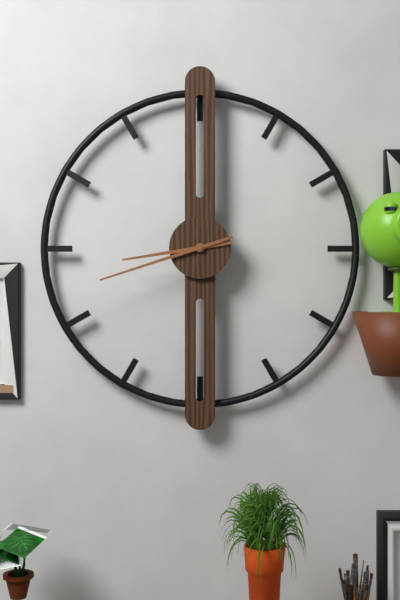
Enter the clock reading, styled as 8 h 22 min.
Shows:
8 h 42 min
